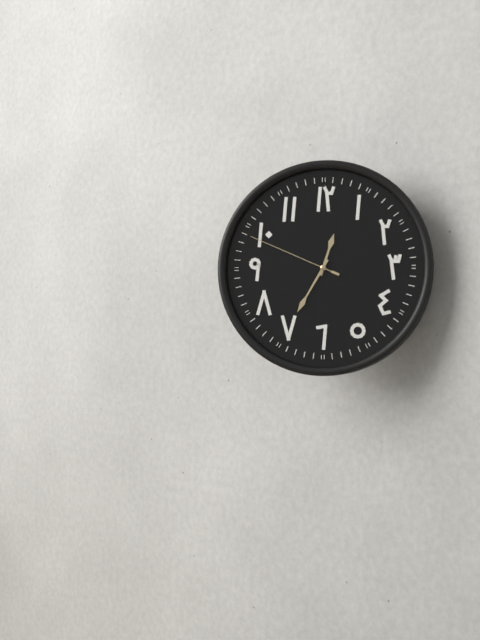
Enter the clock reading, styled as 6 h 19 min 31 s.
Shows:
12 h 35 min 49 s
